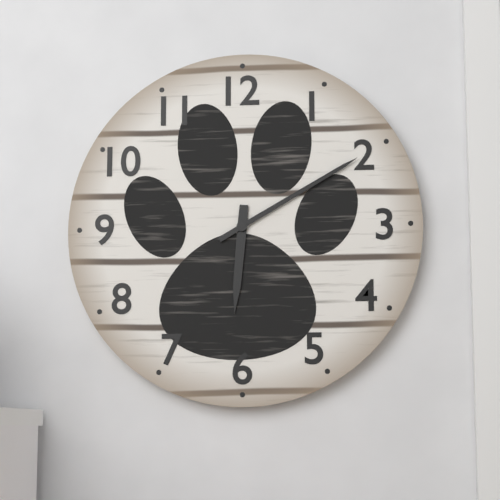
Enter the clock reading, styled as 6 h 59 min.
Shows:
6 h 10 min
